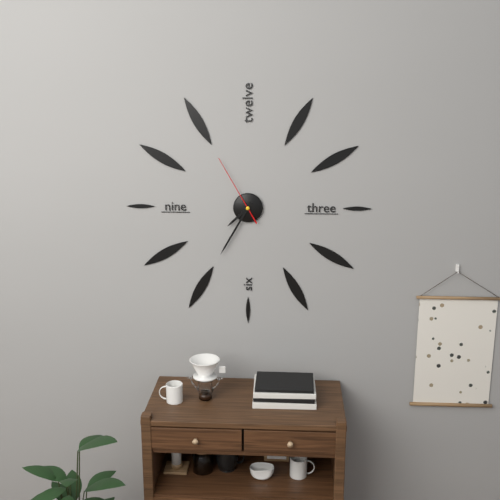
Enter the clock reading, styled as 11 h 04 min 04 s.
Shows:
7 h 35 min 55 s
